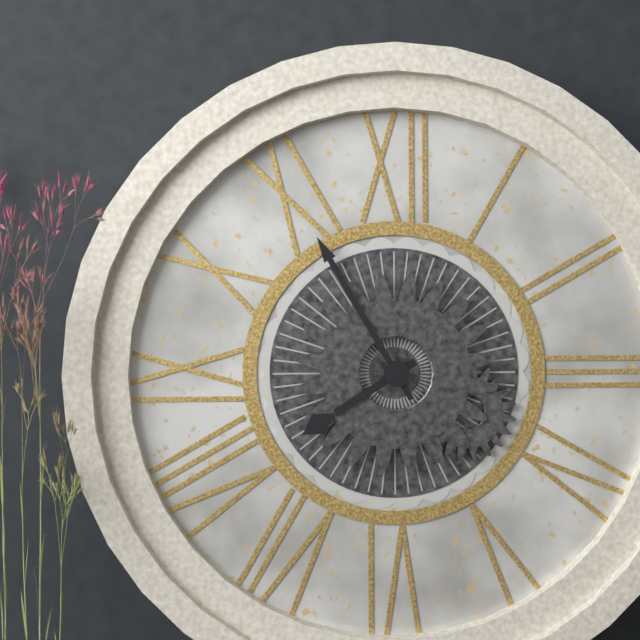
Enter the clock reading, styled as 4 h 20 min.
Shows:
7 h 55 min
